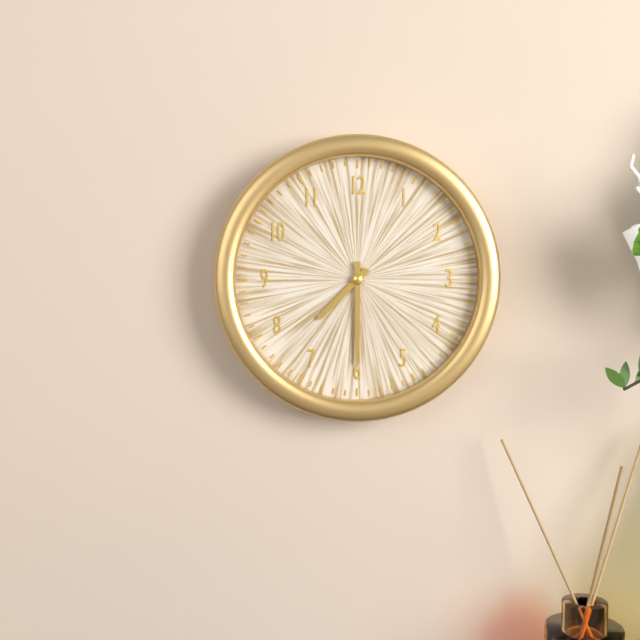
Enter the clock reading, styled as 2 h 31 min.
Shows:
7 h 30 min
